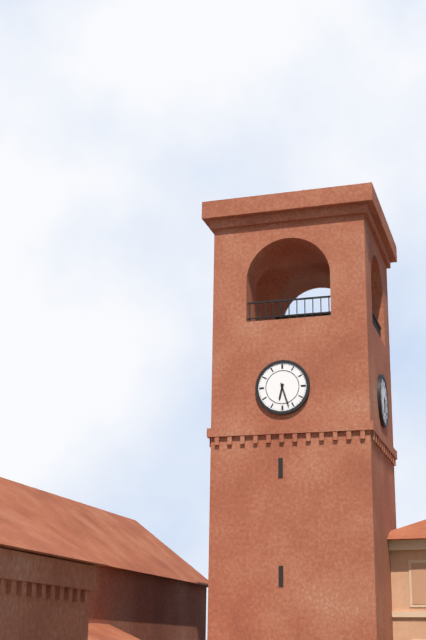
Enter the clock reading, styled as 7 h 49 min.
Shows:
6 h 27 min
